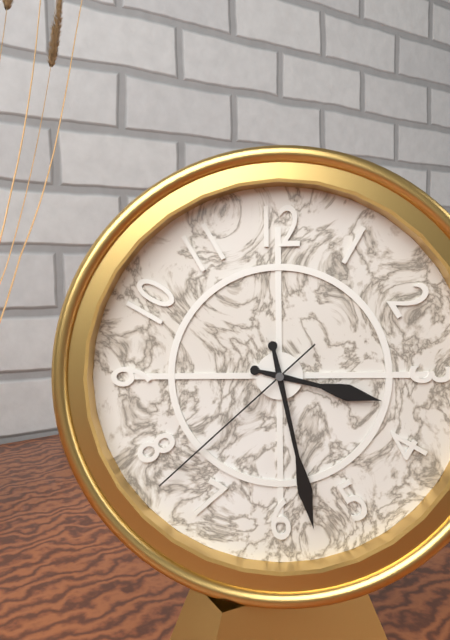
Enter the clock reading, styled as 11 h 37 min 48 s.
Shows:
3 h 28 min 38 s
